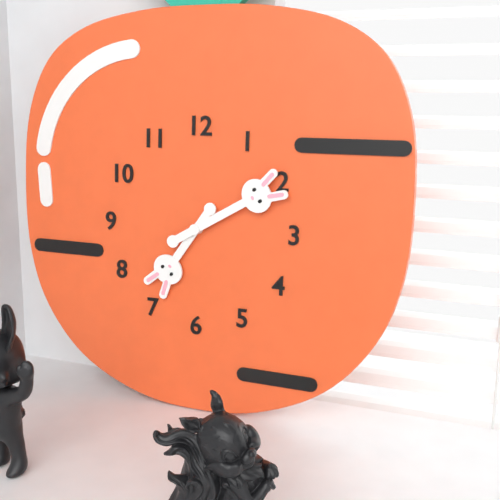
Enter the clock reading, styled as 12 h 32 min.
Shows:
7 h 10 min
